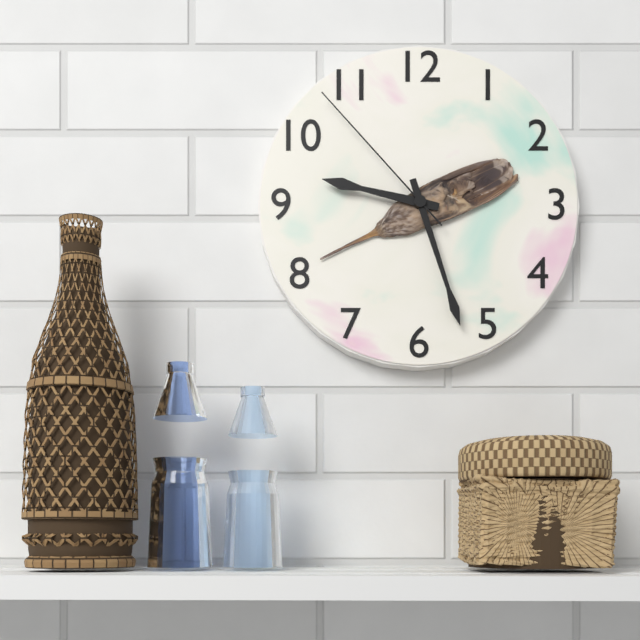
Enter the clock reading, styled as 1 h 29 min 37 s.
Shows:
9 h 27 min 53 s
